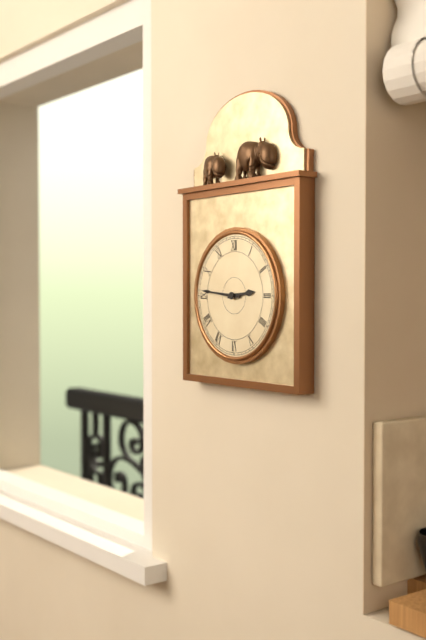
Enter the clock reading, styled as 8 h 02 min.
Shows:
2 h 46 min
